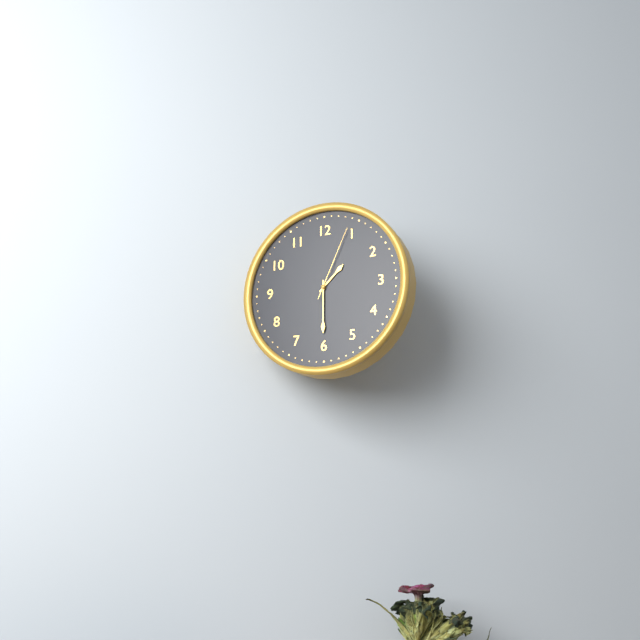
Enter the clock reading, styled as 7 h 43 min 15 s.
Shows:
1 h 30 min 04 s
